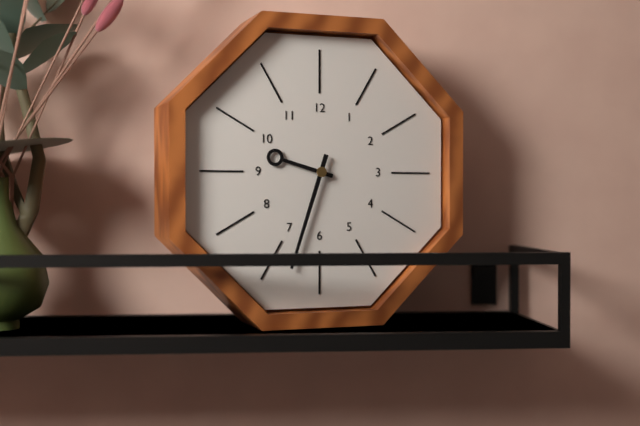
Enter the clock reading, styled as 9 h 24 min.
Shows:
9 h 33 min
